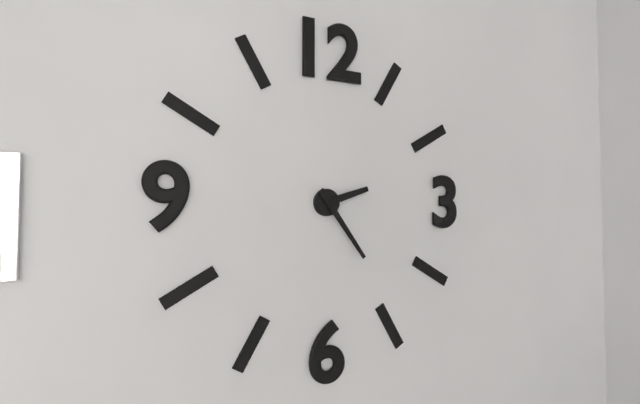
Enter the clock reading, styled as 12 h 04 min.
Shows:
2 h 24 min
